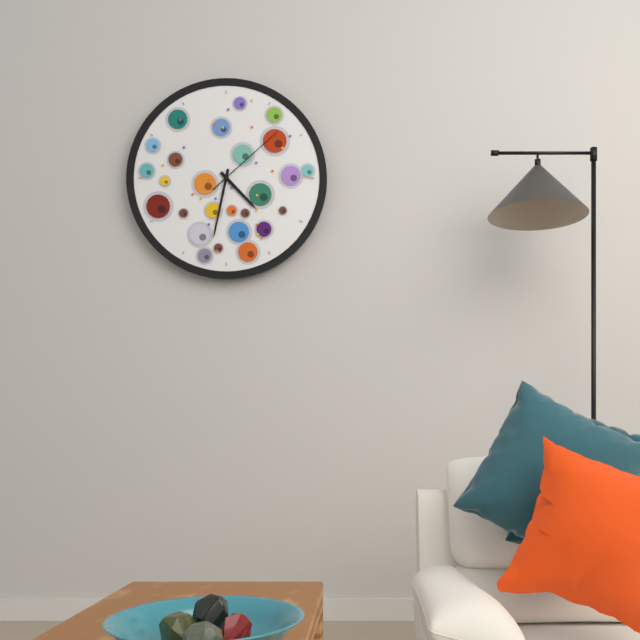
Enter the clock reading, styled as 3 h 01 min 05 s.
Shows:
4 h 32 min 08 s
